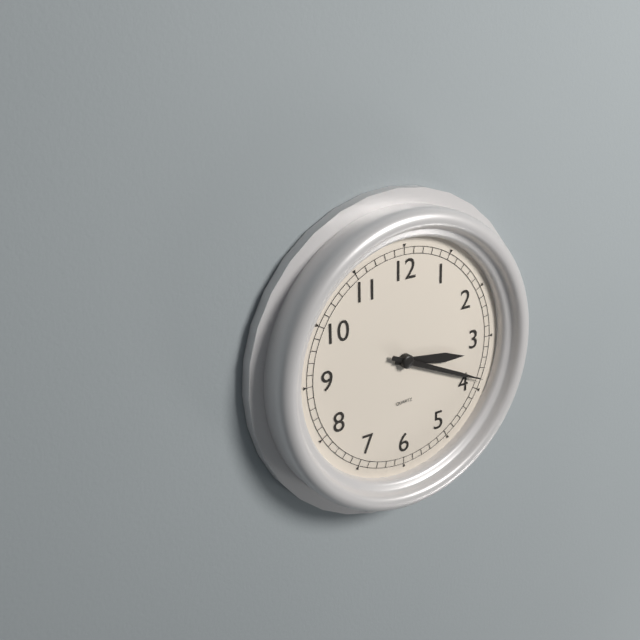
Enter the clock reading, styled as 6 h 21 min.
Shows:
3 h 19 min
